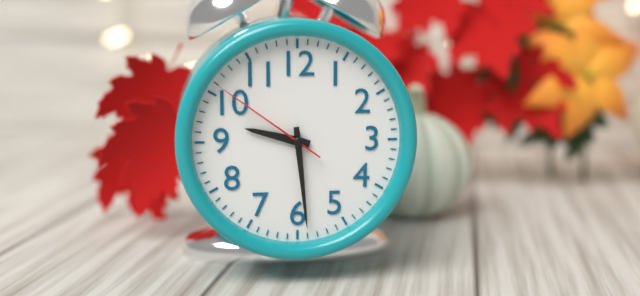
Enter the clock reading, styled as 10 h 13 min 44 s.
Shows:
9 h 29 min 51 s
